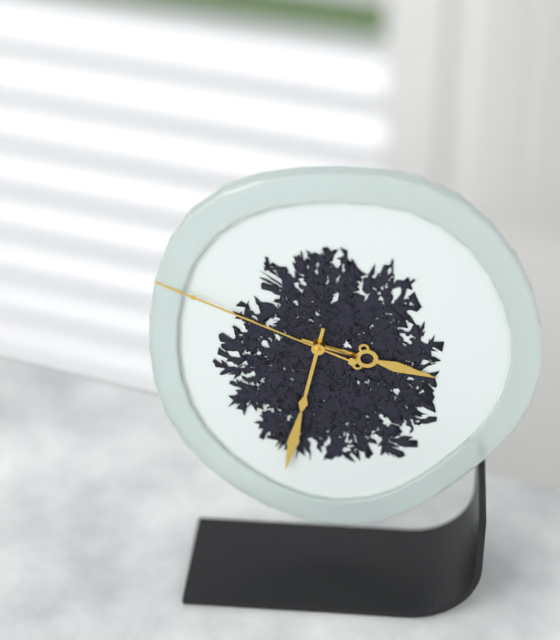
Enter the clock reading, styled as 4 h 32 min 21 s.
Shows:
3 h 32 min 49 s
